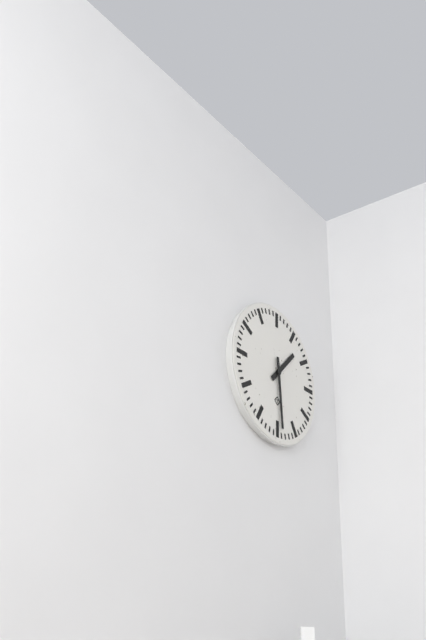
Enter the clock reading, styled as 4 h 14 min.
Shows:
1 h 29 min
